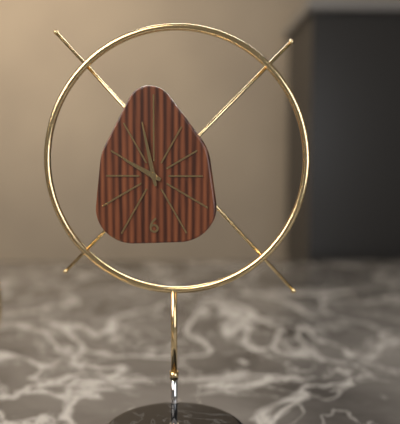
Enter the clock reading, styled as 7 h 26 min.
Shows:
9 h 58 min
